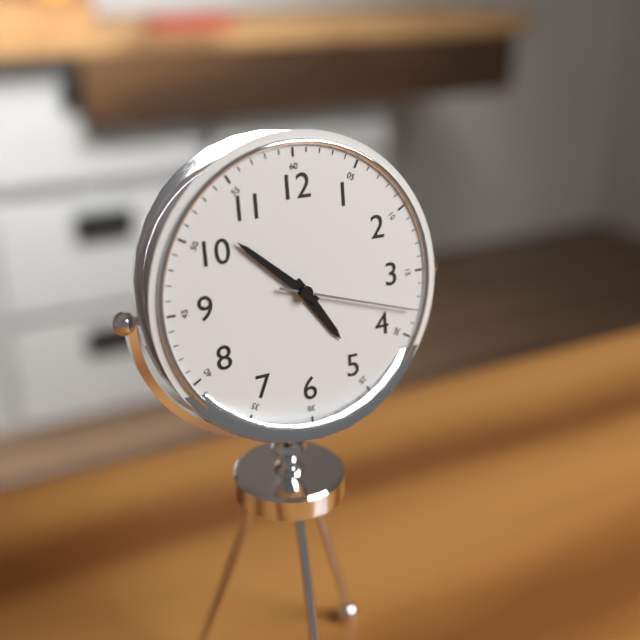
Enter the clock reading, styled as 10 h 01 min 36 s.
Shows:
4 h 52 min 18 s
